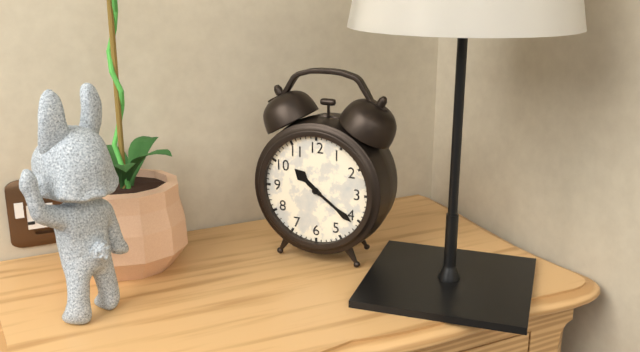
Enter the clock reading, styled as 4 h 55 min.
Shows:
10 h 21 min
